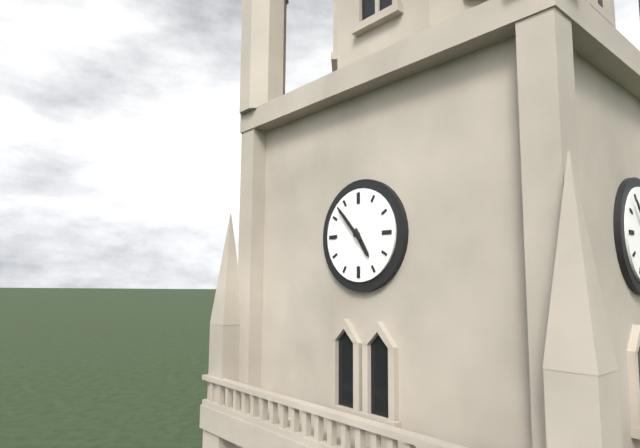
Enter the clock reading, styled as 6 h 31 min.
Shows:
4 h 53 min
